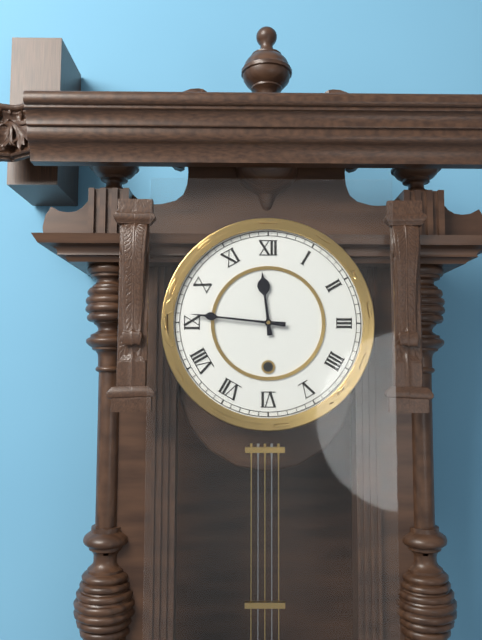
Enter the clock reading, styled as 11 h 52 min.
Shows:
11 h 46 min
